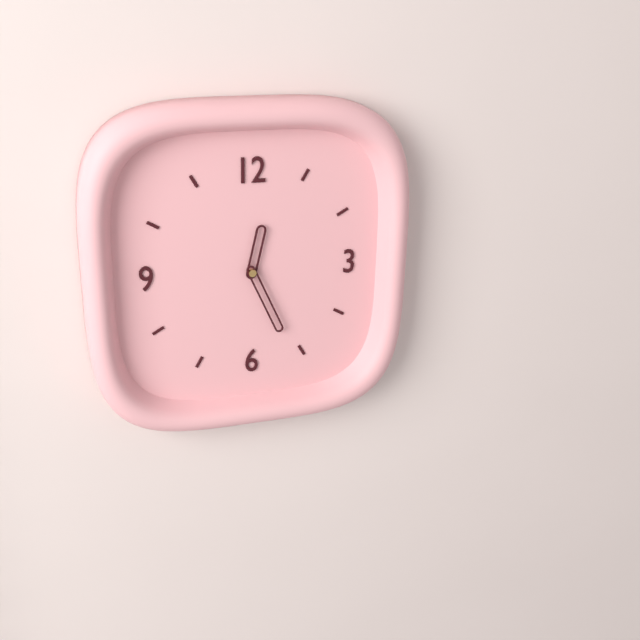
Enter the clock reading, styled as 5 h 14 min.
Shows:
12 h 26 min
